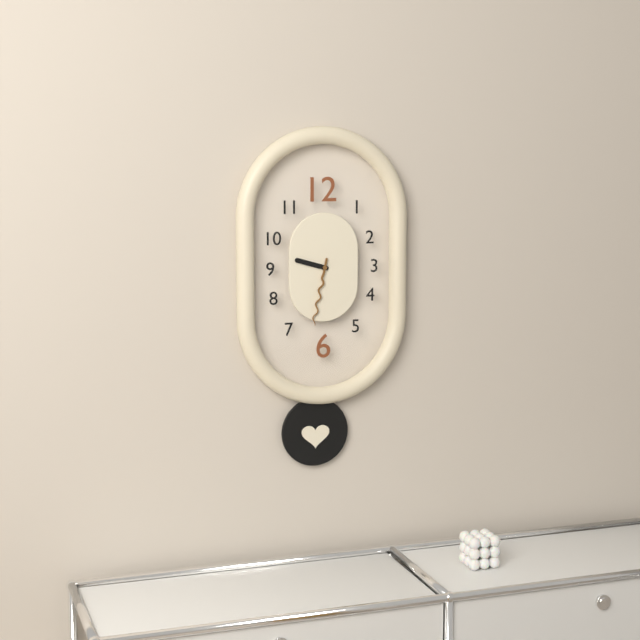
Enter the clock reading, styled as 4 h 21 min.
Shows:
9 h 32 min
